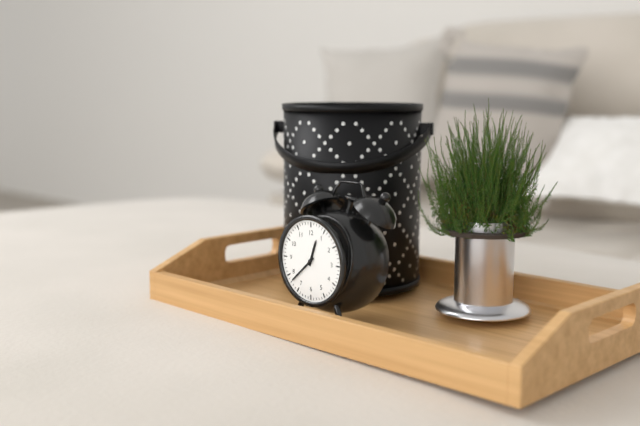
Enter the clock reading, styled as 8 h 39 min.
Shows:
12 h 38 min
